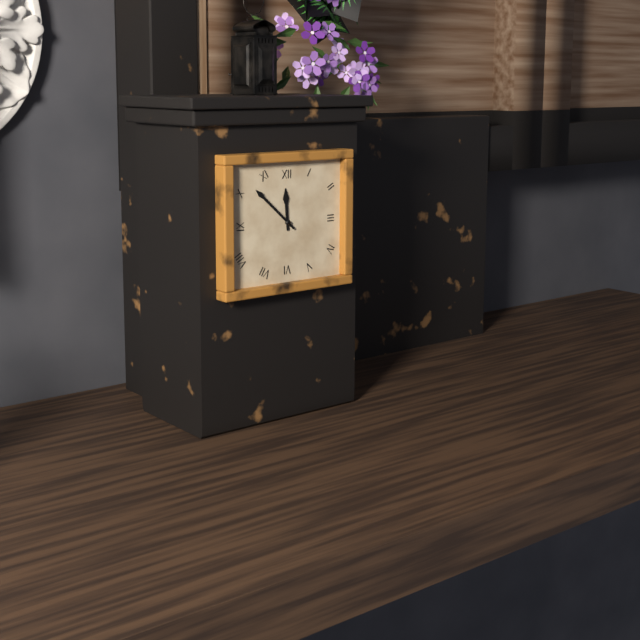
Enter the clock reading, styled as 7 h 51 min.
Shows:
11 h 52 min
